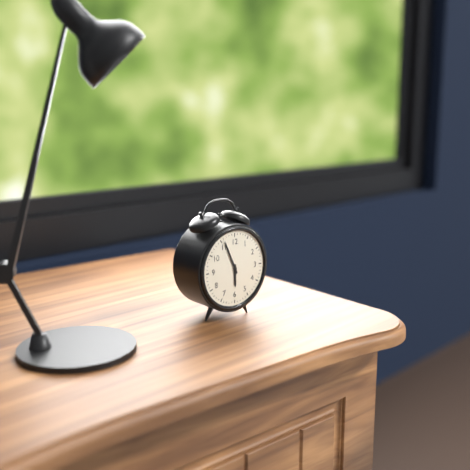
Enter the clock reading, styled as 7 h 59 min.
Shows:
5 h 56 min
